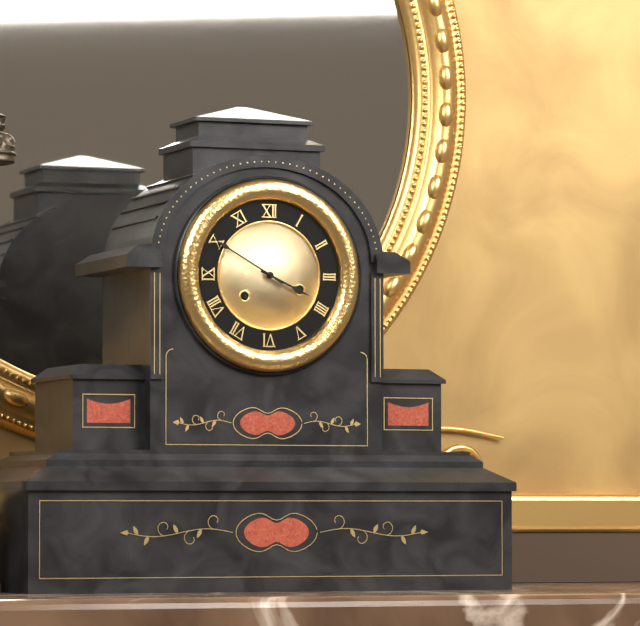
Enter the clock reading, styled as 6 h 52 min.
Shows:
3 h 50 min
